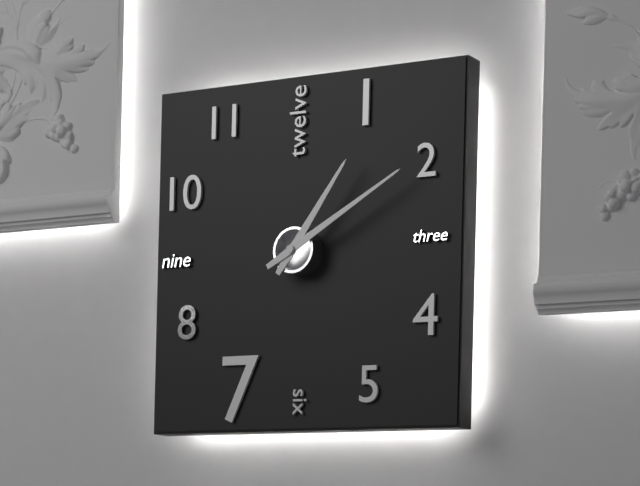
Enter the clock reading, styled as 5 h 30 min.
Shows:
1 h 10 min
